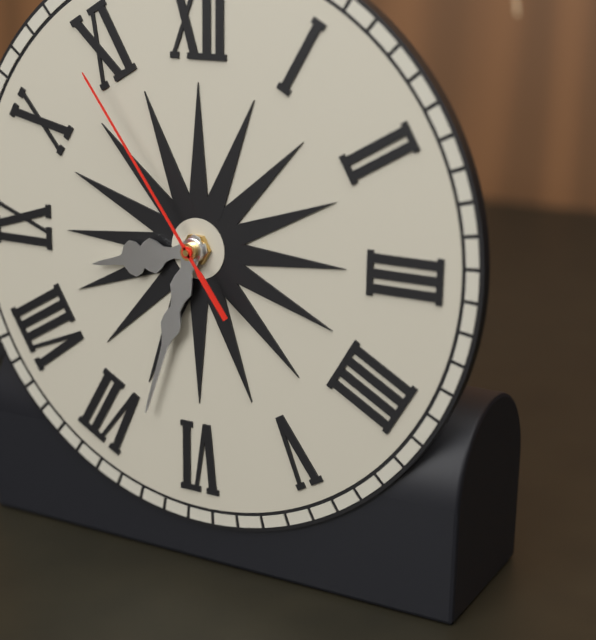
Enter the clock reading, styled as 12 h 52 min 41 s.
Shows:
8 h 33 min 54 s
